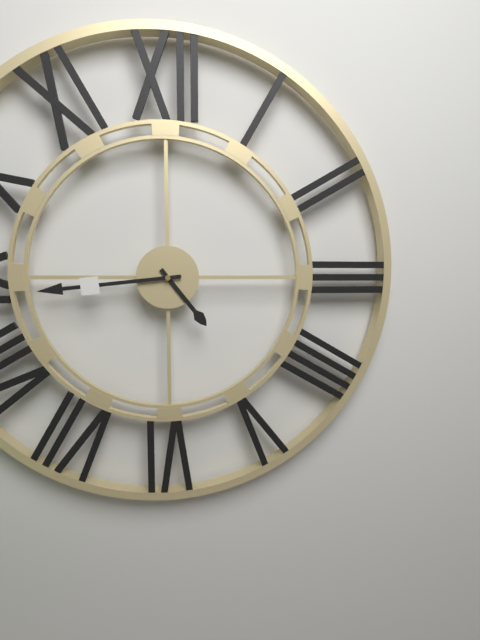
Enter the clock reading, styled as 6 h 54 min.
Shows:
4 h 44 min
